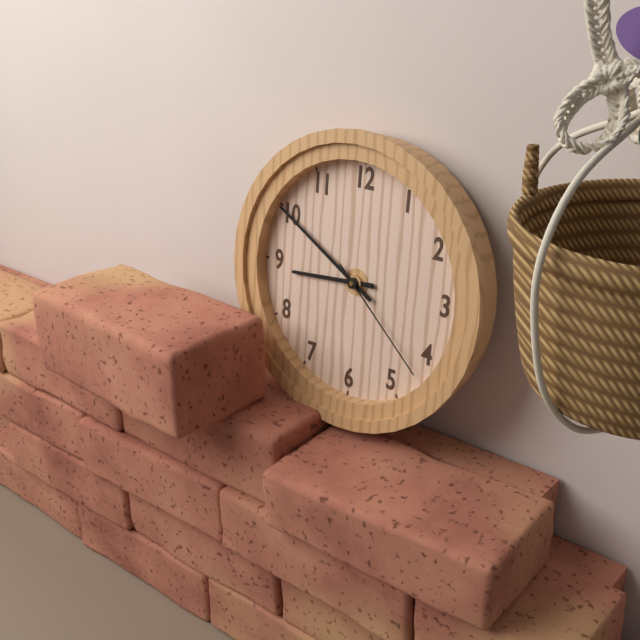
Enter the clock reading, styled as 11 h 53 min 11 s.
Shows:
8 h 50 min 22 s
